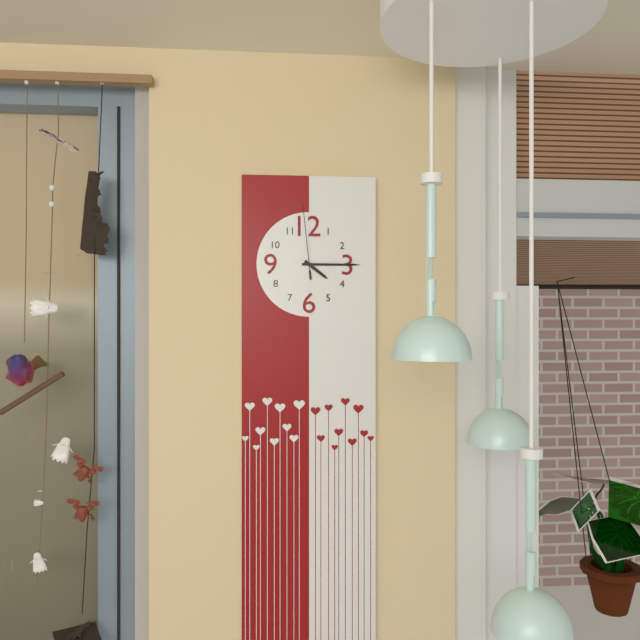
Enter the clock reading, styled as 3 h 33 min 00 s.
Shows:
4 h 15 min 59 s
